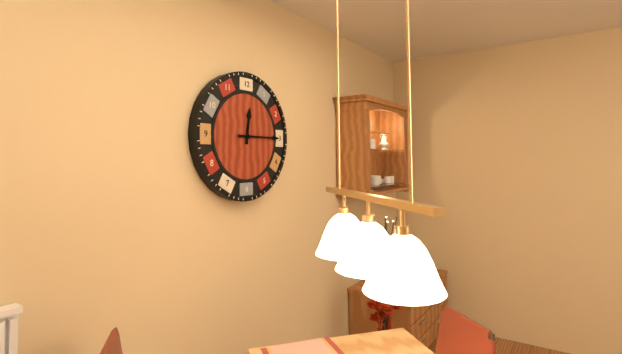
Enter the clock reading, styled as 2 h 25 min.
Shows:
12 h 15 min
